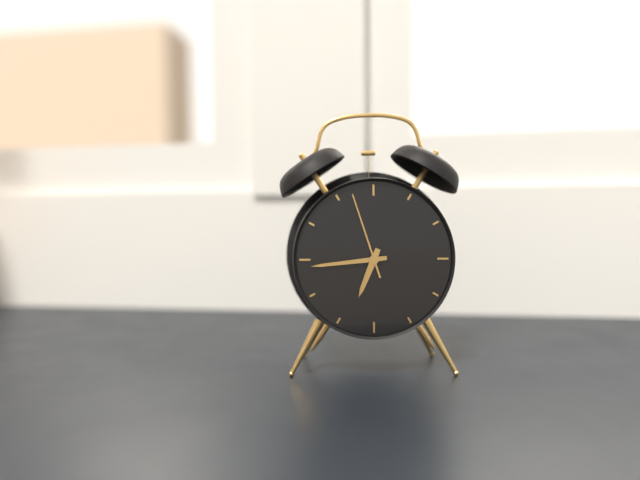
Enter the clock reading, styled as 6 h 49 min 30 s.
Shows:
6 h 44 min 57 s
